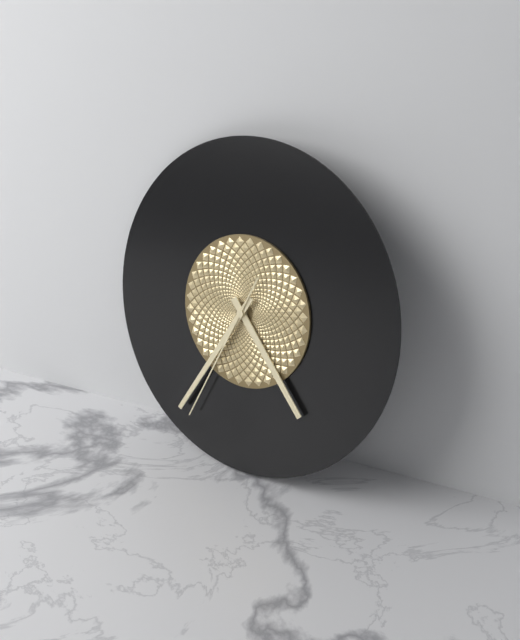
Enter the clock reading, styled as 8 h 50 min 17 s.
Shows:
4 h 35 min 34 s
